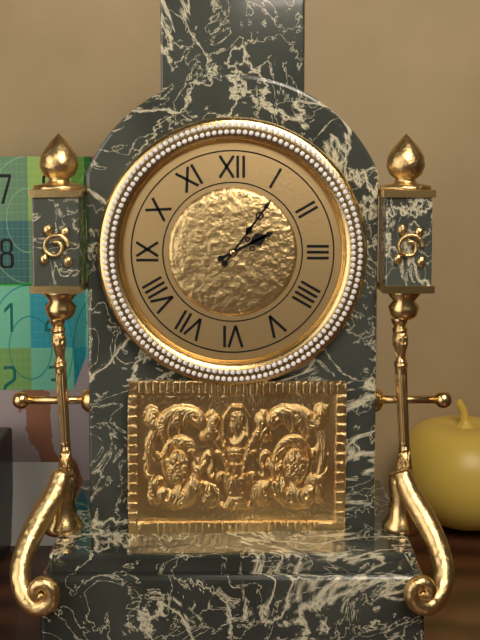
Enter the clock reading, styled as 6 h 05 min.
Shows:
2 h 06 min
